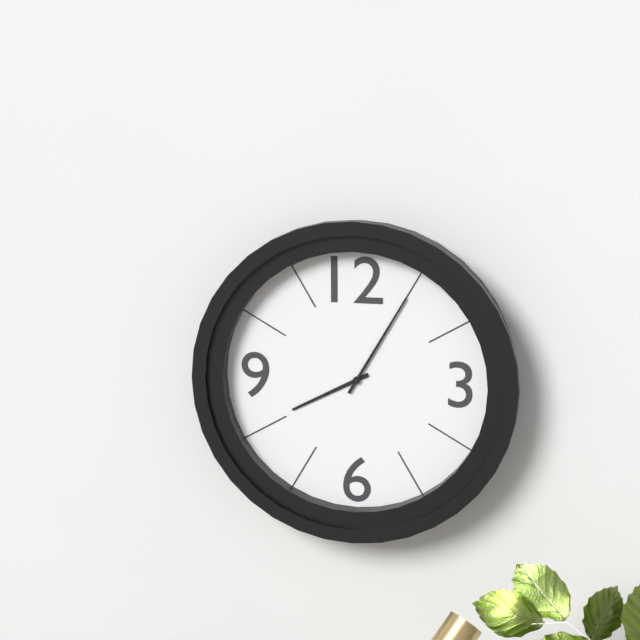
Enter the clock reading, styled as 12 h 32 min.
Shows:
8 h 05 min
